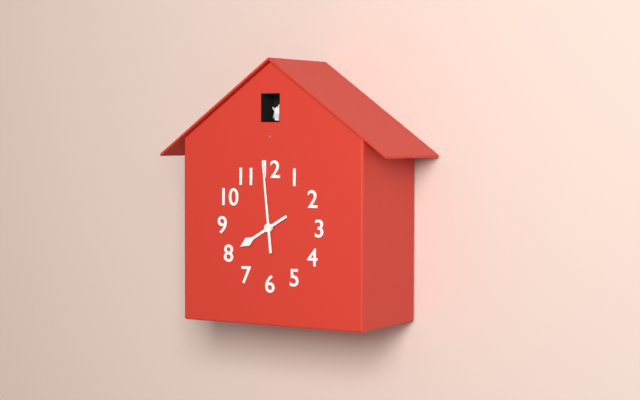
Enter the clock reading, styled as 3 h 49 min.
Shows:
7 h 59 min
